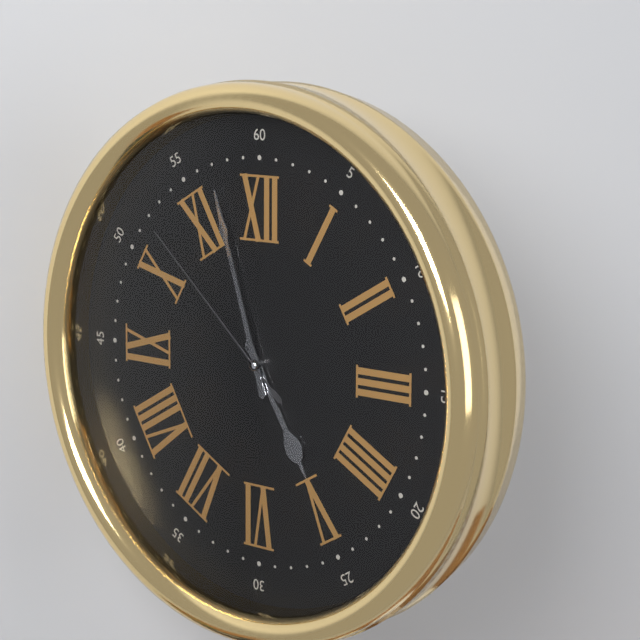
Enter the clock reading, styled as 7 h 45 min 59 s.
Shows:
4 h 57 min 52 s
